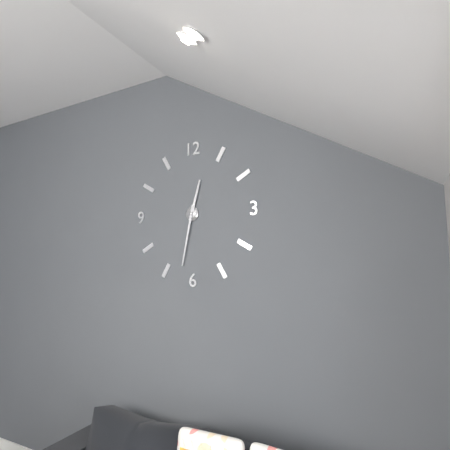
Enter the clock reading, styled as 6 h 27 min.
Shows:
12 h 32 min
